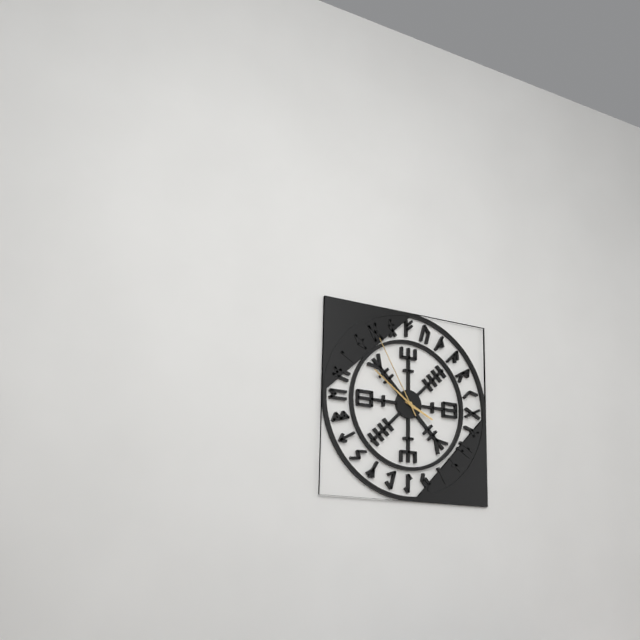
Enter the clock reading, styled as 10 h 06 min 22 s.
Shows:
3 h 51 min 55 s
